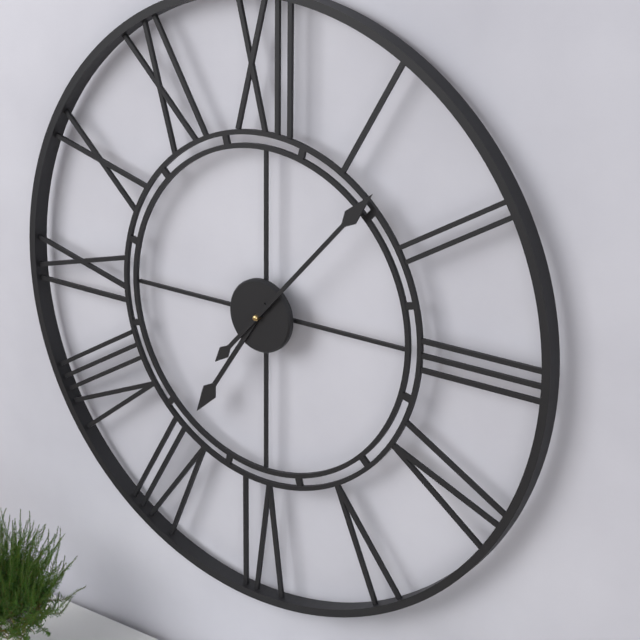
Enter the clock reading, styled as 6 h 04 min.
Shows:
7 h 07 min
